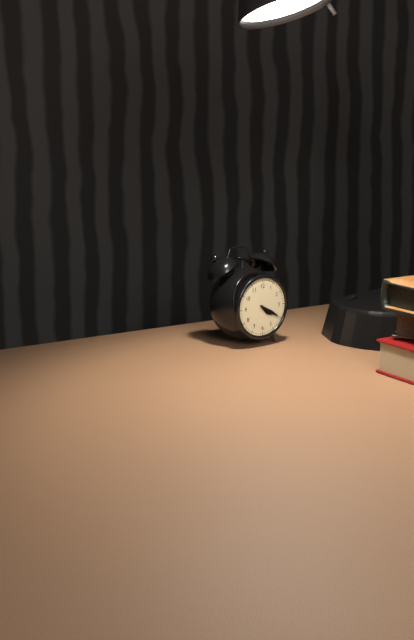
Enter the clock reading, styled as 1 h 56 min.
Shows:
4 h 20 min
